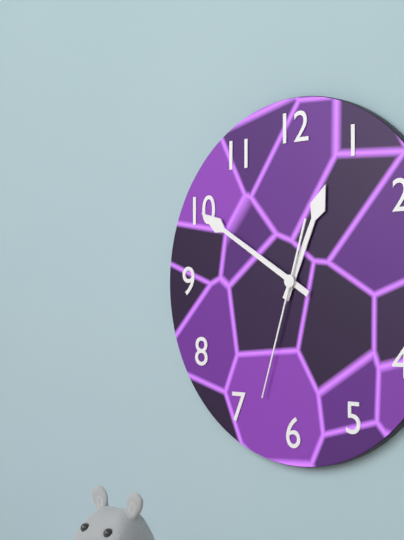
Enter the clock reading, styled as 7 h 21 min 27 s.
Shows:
12 h 50 min 33 s
